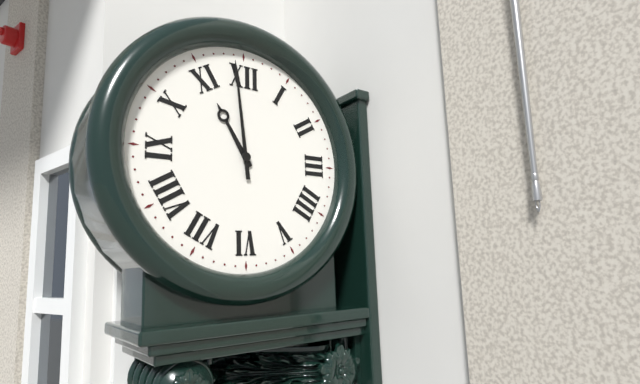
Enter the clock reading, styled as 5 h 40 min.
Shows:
10 h 59 min
